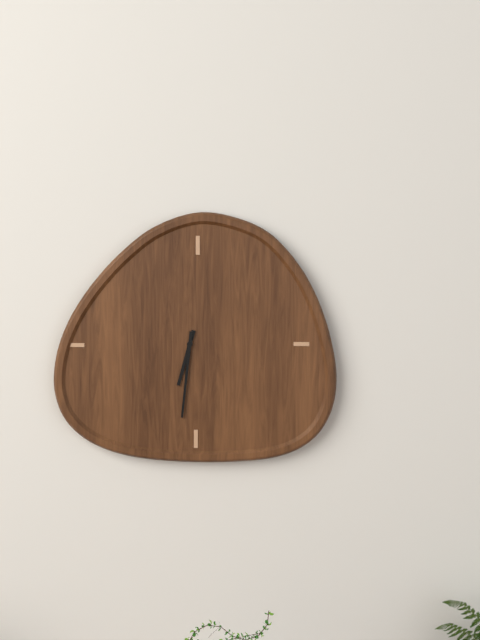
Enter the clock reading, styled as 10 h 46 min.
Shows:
6 h 31 min
